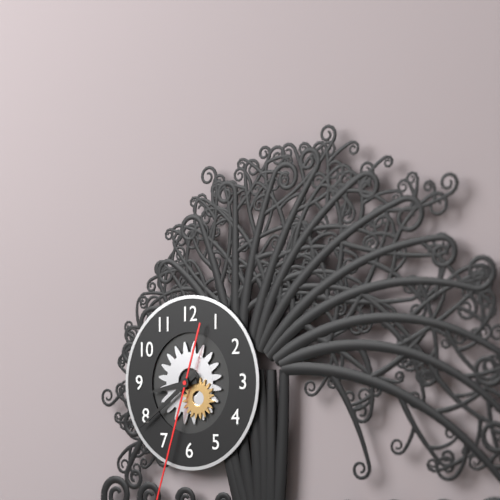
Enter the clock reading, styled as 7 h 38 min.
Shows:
8 h 39 min
